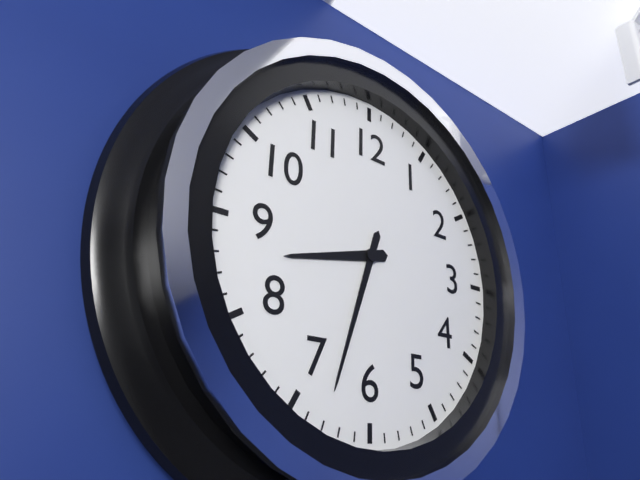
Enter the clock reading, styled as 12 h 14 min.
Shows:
8 h 33 min
